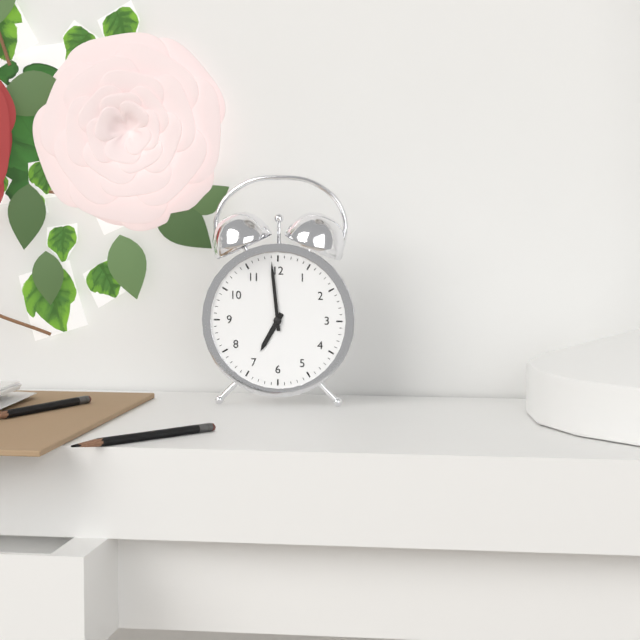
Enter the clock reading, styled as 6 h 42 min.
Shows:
6 h 59 min
